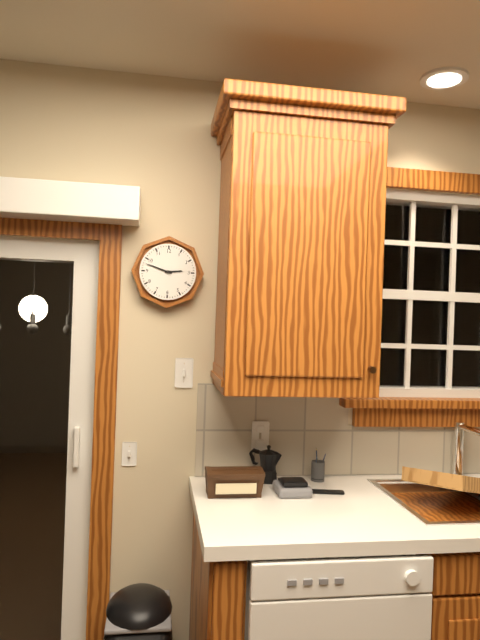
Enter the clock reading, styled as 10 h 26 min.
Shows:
2 h 48 min
